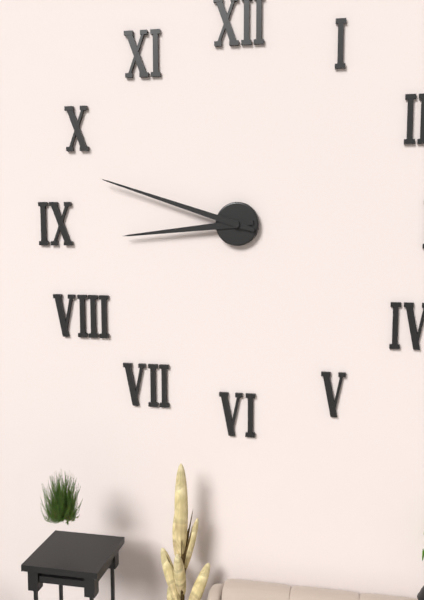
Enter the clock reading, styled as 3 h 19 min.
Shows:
8 h 48 min
